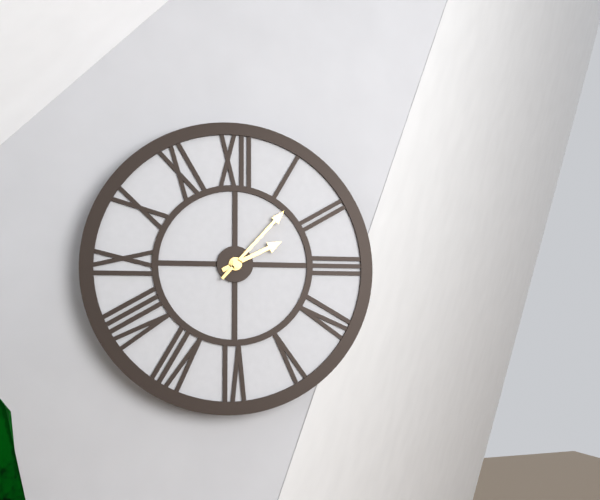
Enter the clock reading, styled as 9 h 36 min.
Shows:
2 h 07 min
